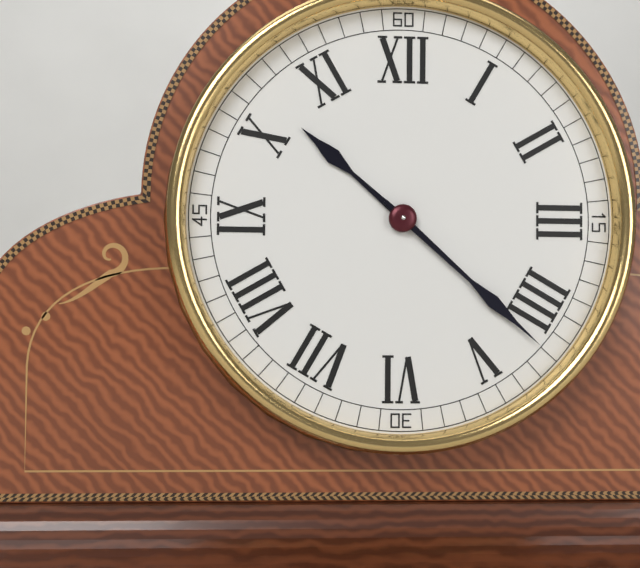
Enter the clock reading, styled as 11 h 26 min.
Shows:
10 h 22 min
